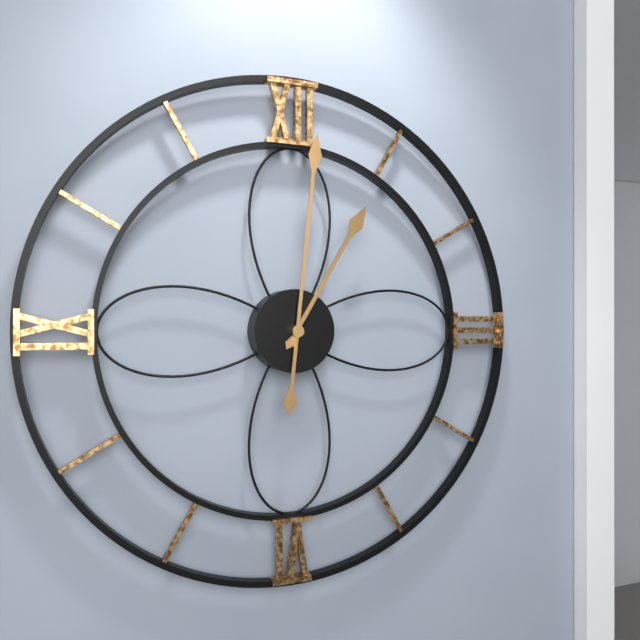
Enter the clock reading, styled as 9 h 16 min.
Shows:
1 h 01 min
